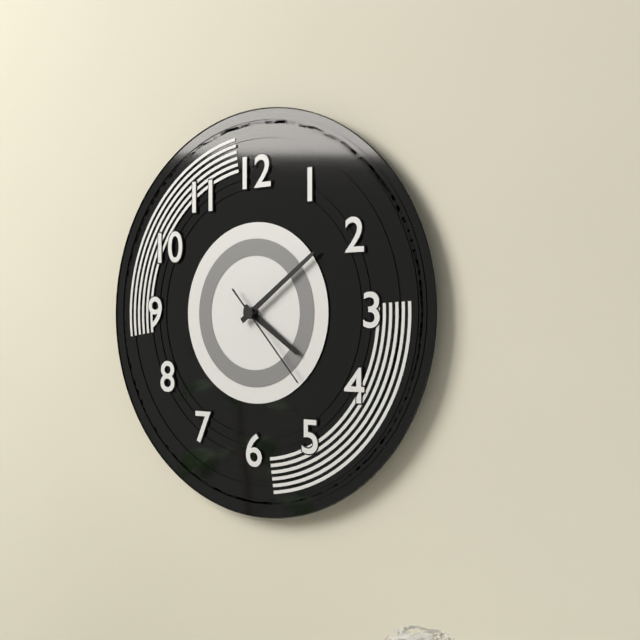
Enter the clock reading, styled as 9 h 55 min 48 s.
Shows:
4 h 09 min 23 s
